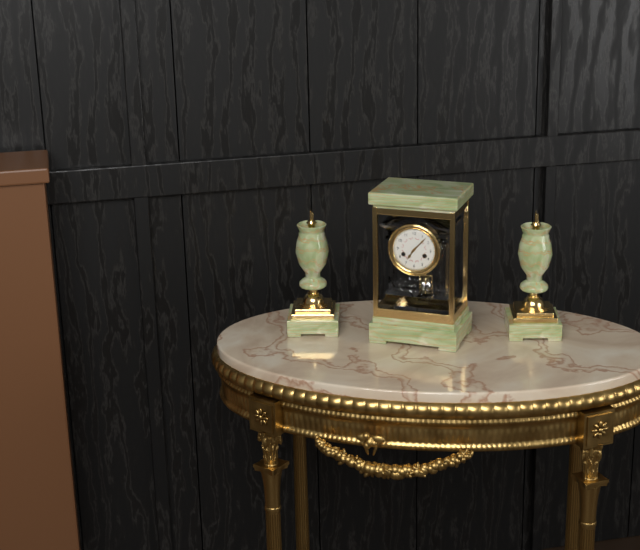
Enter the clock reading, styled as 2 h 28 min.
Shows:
7 h 07 min
